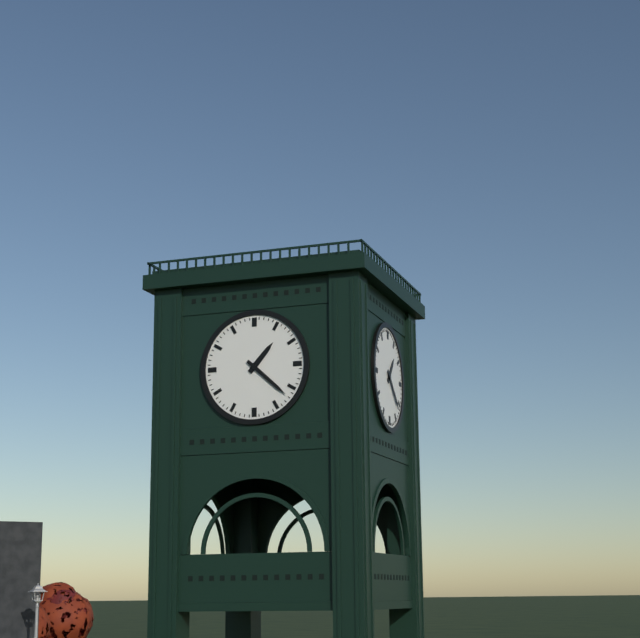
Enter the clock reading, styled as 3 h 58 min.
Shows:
1 h 22 min
